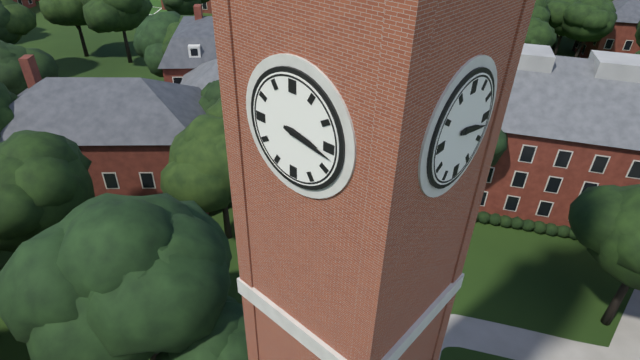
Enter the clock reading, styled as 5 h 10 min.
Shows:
3 h 17 min
